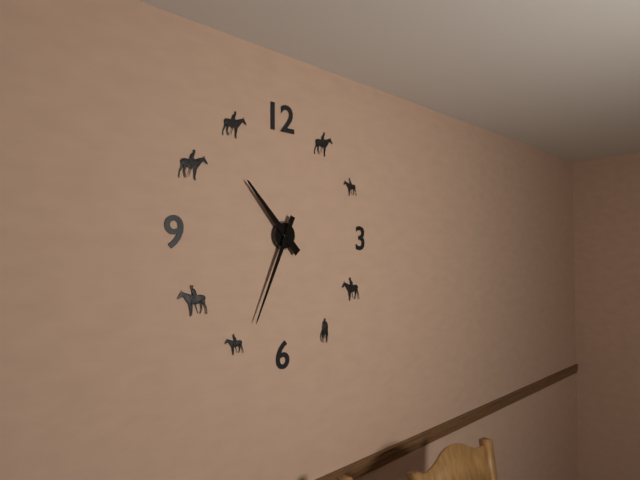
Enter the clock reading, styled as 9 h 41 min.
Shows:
10 h 34 min
